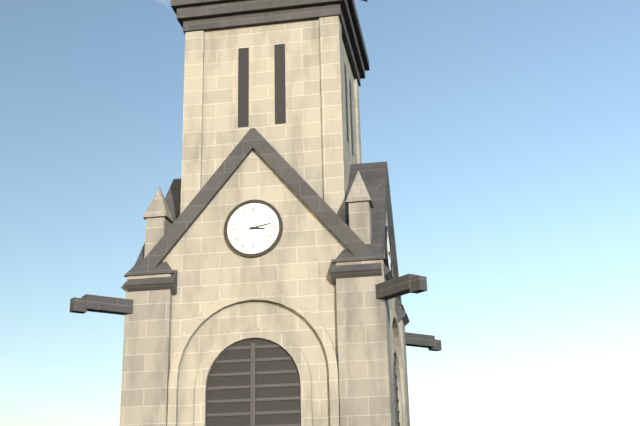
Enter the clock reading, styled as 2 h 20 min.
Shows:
3 h 13 min
